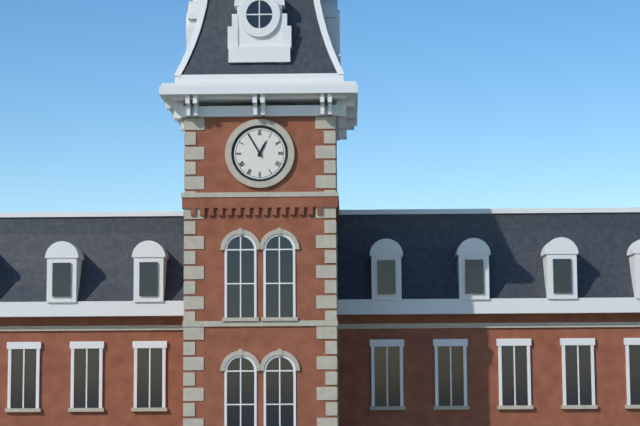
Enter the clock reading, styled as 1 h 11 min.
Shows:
12 h 55 min
